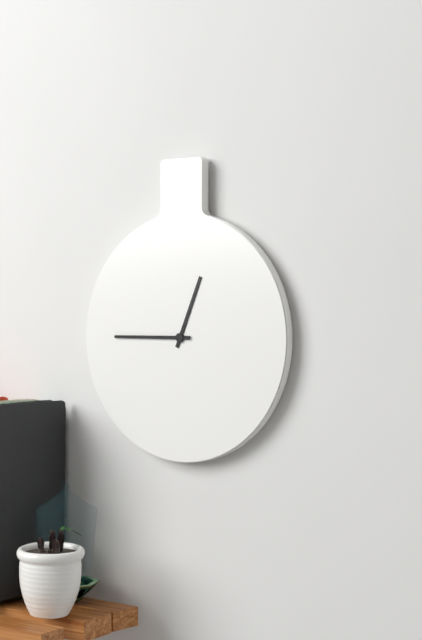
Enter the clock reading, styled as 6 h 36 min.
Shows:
12 h 45 min
